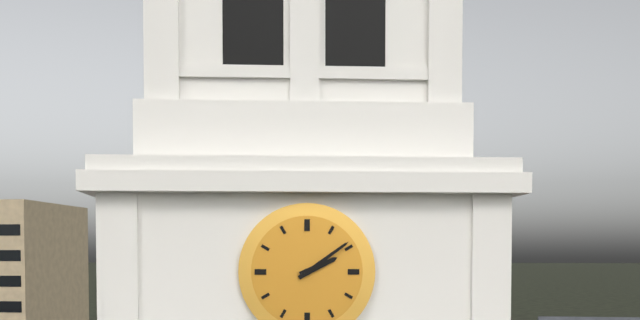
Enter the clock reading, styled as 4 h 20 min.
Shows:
2 h 09 min
